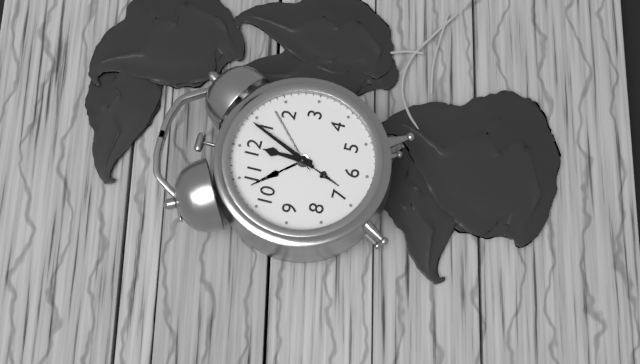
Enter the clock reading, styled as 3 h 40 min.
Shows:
12 h 04 min
